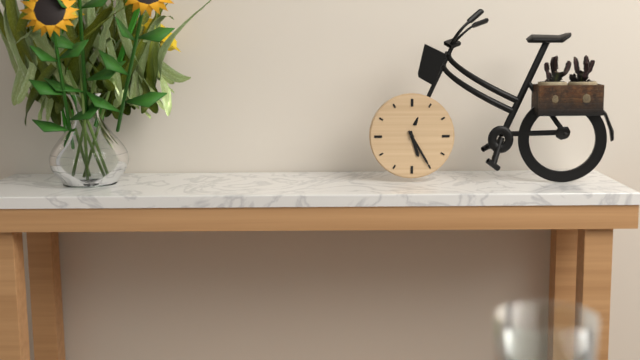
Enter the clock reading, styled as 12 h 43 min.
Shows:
5 h 25 min
